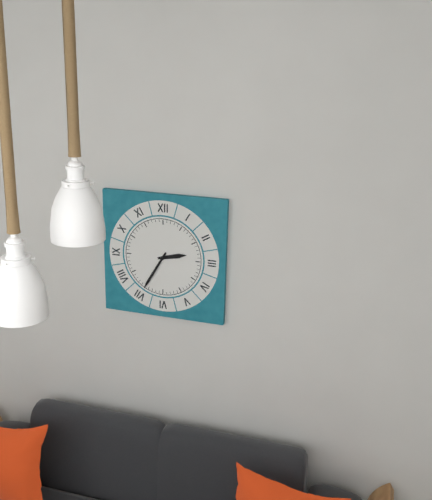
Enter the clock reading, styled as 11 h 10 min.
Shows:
2 h 35 min
